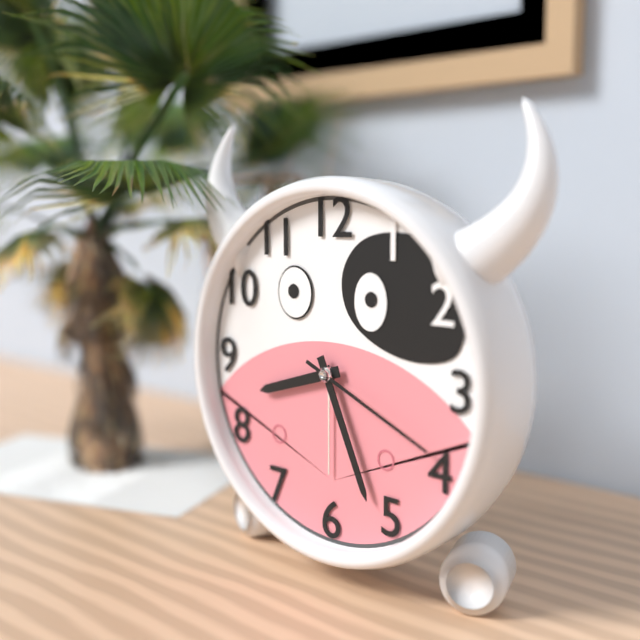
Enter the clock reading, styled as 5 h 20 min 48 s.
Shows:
8 h 26 min 19 s
